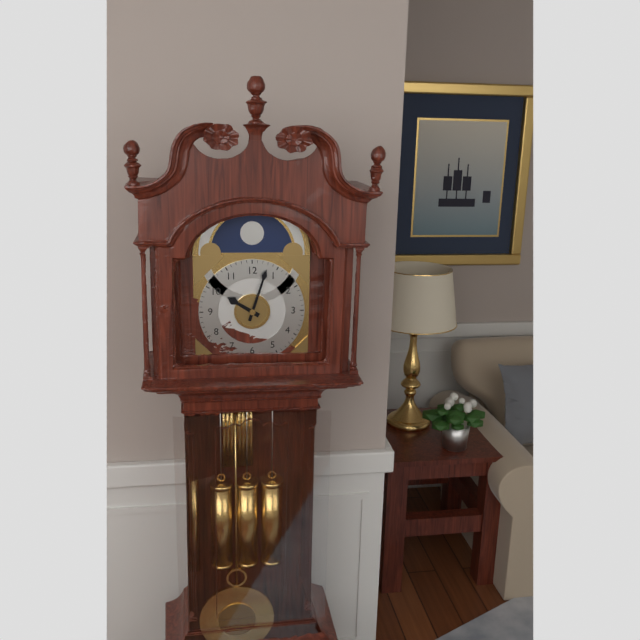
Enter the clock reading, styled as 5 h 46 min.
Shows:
10 h 03 min
